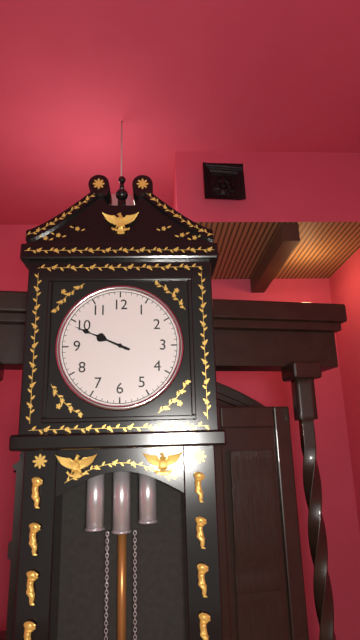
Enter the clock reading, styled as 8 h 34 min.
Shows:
9 h 49 min
